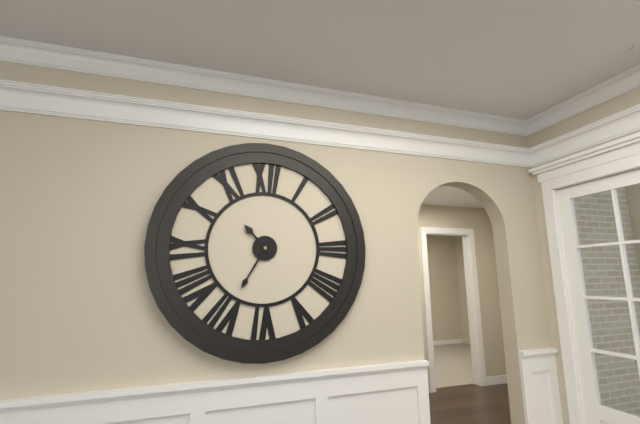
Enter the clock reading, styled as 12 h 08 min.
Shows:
10 h 35 min
